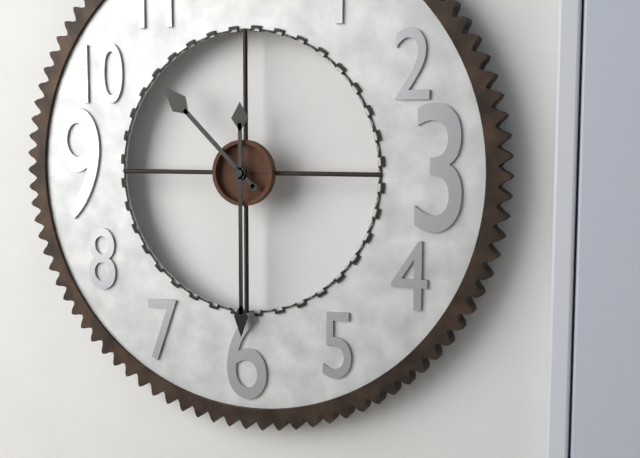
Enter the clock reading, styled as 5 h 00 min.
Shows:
10 h 30 min
